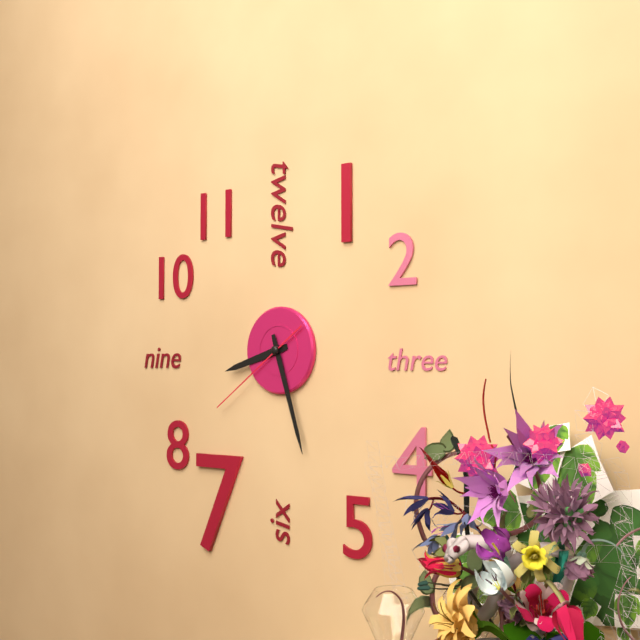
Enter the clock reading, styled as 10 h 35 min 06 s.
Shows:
8 h 27 min 39 s
